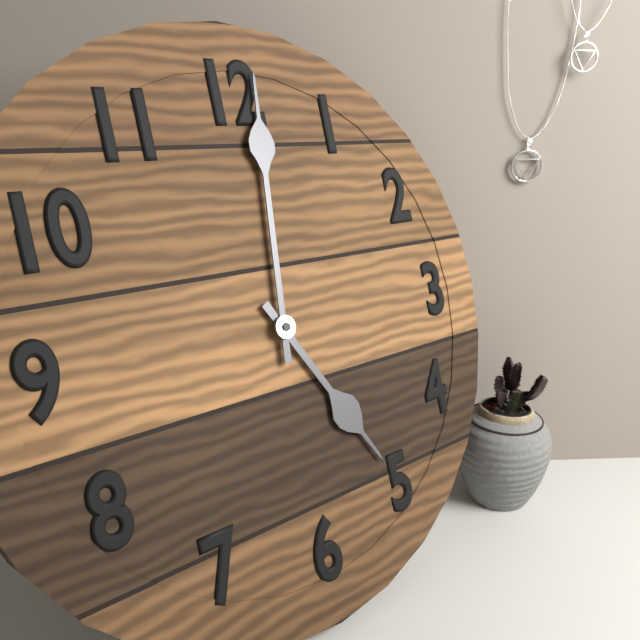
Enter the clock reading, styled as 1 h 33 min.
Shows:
5 h 01 min
